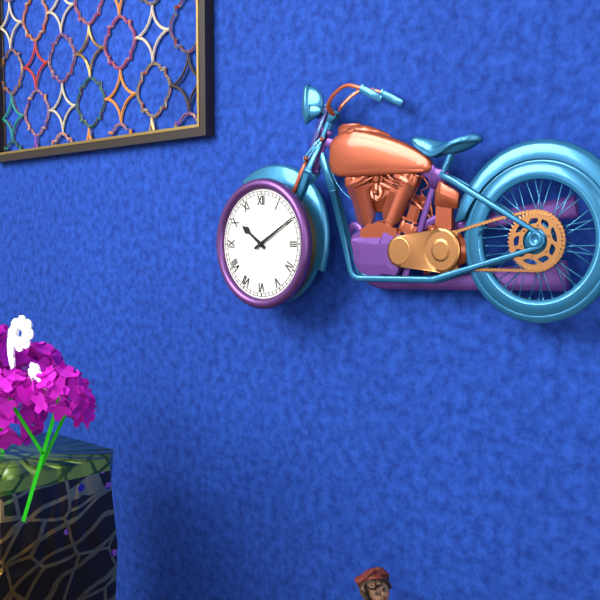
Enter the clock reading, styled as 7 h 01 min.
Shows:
10 h 10 min
